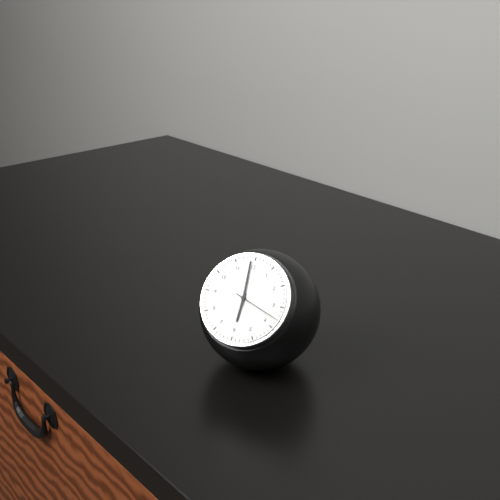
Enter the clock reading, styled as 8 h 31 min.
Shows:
5 h 59 min
